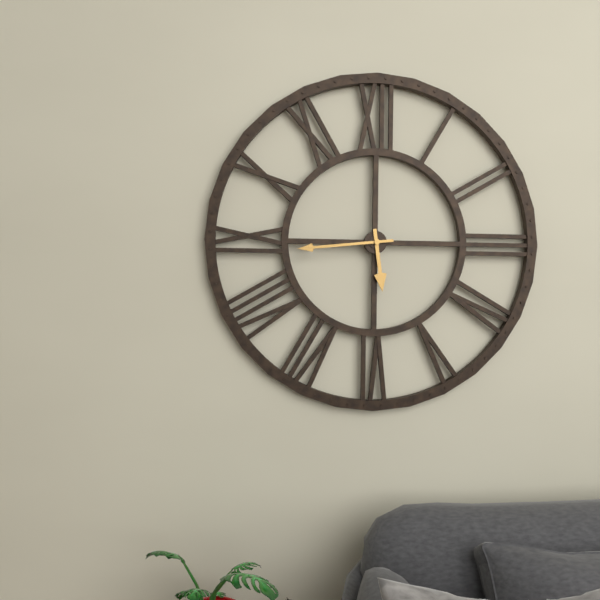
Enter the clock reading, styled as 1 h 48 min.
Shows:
5 h 44 min
